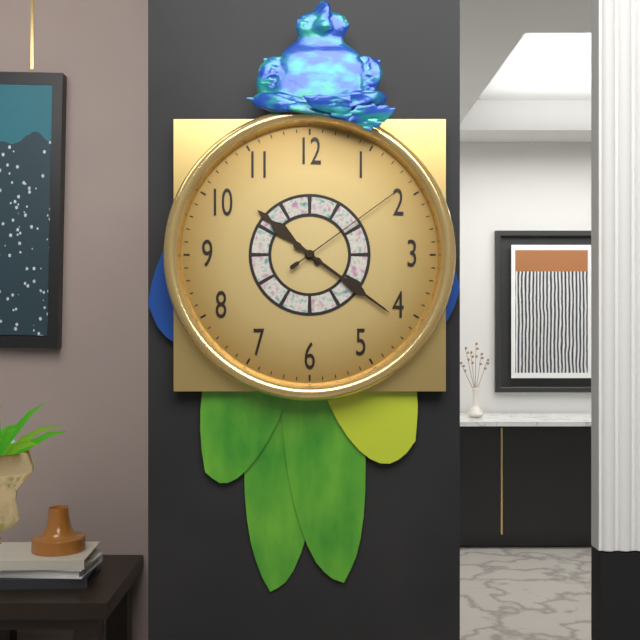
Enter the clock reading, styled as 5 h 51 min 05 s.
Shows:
10 h 21 min 09 s
